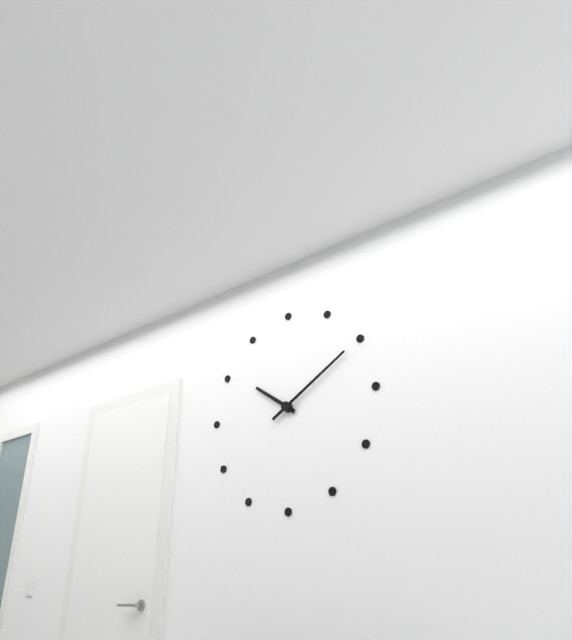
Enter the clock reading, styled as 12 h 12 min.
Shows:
10 h 10 min
